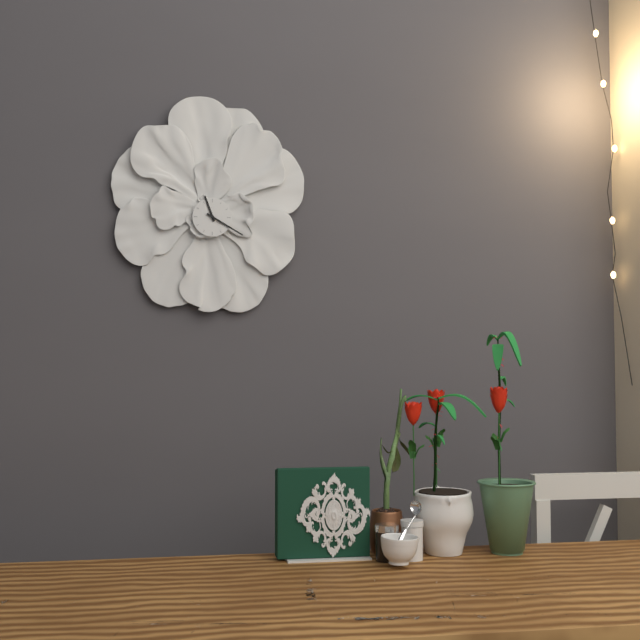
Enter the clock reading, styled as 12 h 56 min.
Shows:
11 h 20 min
